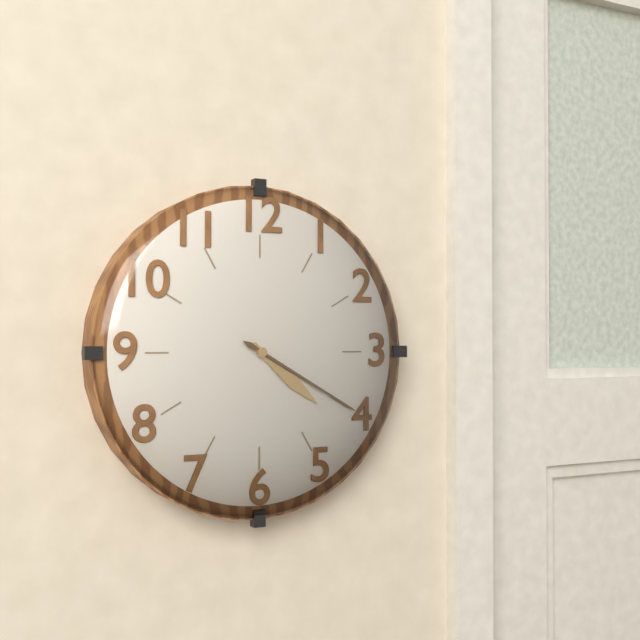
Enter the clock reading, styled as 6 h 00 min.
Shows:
4 h 20 min
